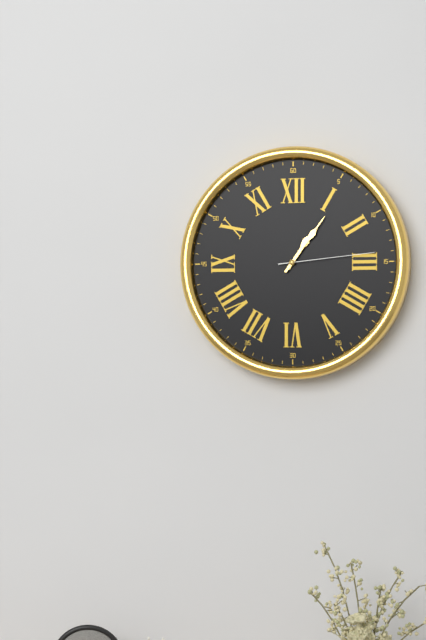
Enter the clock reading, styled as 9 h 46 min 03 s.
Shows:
1 h 06 min 14 s
